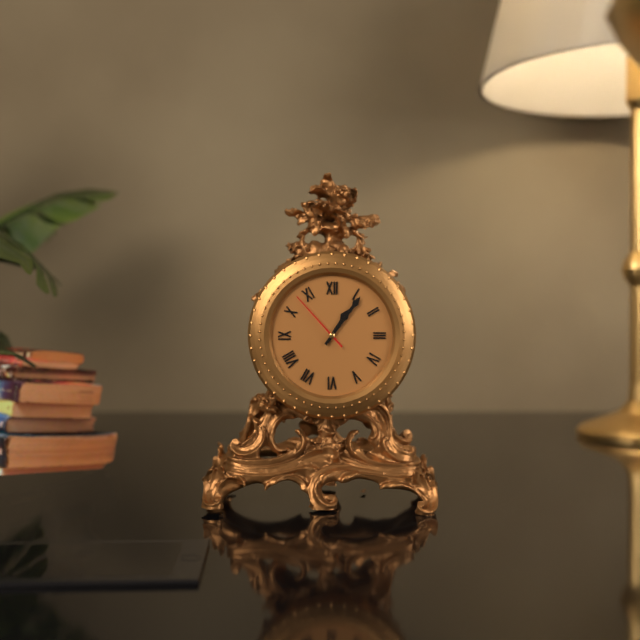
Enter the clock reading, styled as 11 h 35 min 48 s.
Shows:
1 h 06 min 53 s
